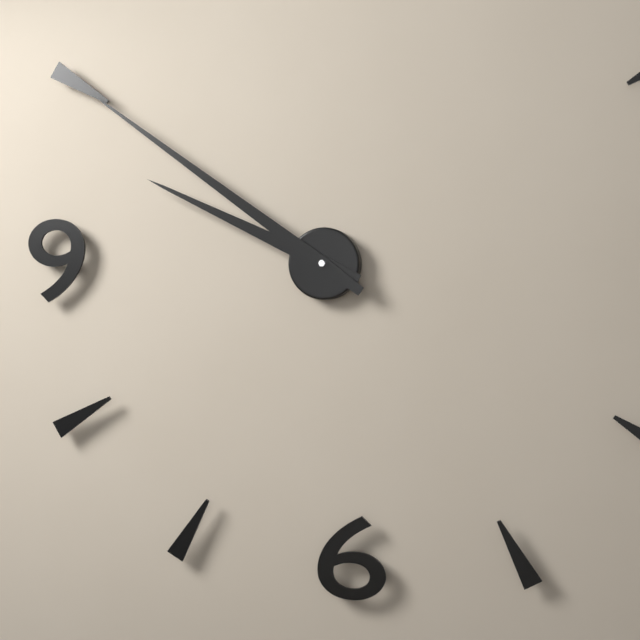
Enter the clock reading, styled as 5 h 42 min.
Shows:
9 h 51 min
